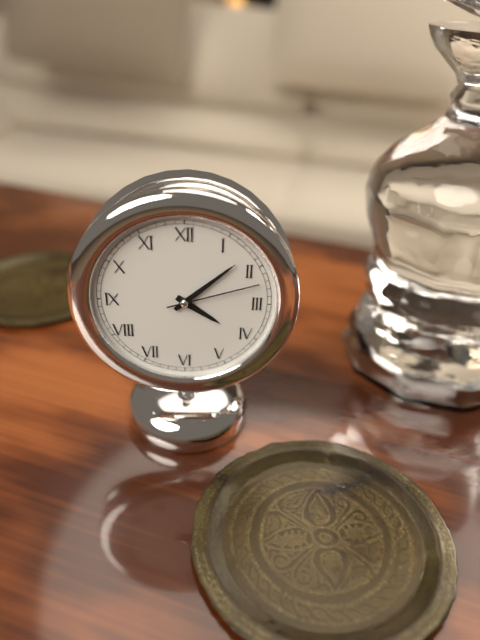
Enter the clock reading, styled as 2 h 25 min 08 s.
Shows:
4 h 08 min 12 s
